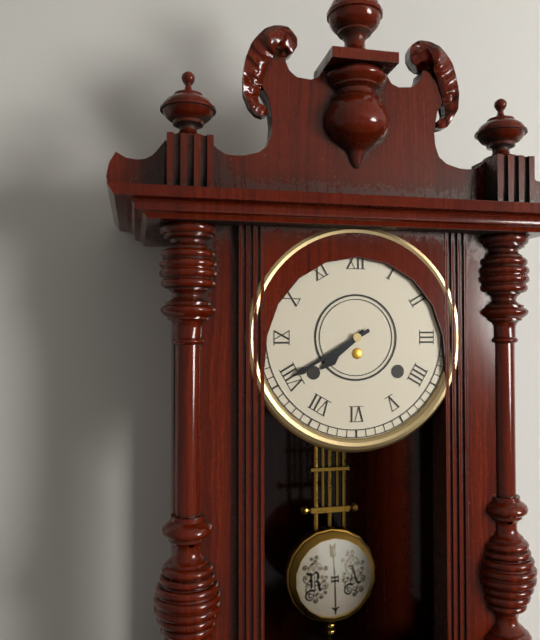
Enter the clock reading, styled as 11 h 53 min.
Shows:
7 h 40 min
